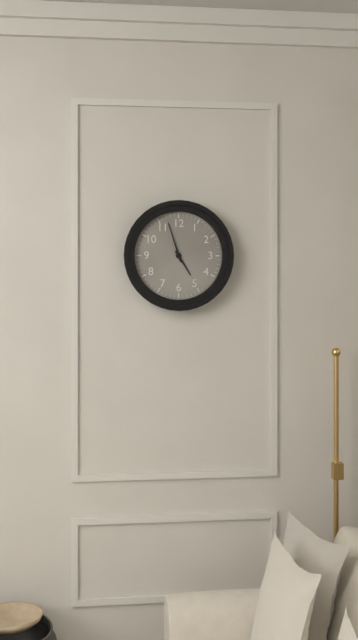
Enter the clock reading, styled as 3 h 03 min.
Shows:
4 h 57 min
